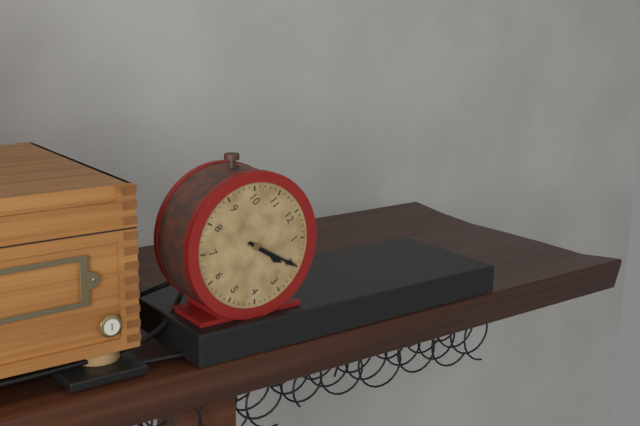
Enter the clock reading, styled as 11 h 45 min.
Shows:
2 h 10 min
